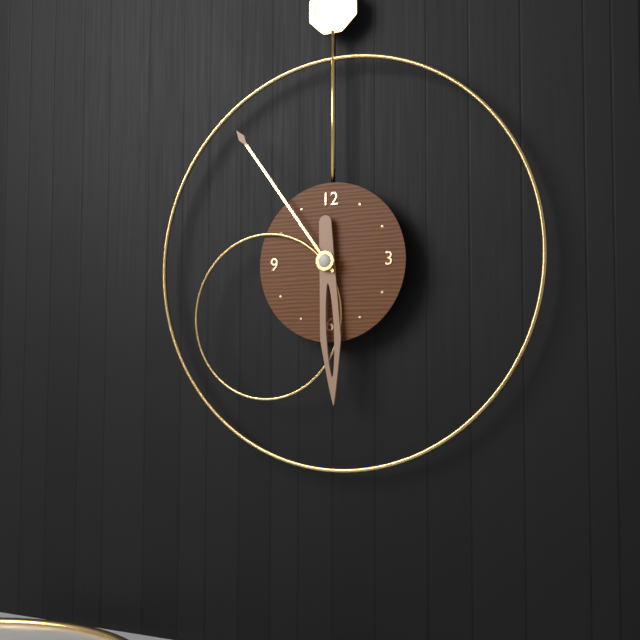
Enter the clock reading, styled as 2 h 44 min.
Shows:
5 h 54 min
